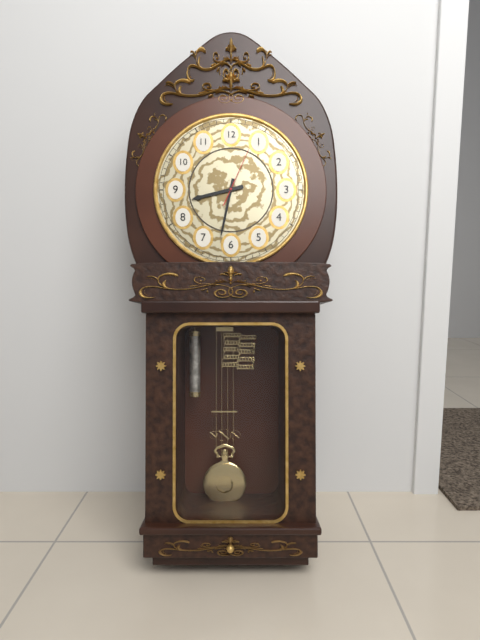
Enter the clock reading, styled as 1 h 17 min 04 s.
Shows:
8 h 32 min 04 s
